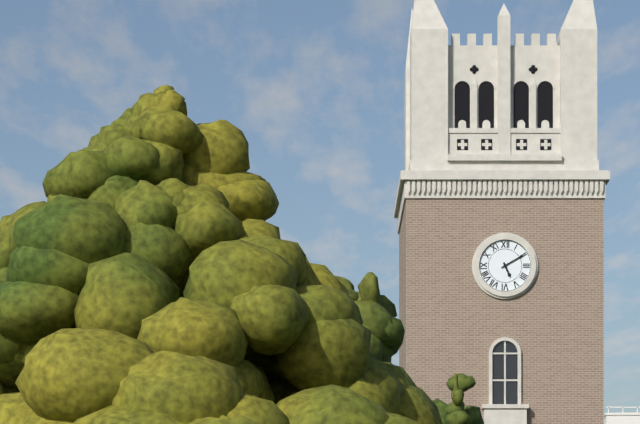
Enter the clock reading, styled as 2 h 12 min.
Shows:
5 h 10 min
